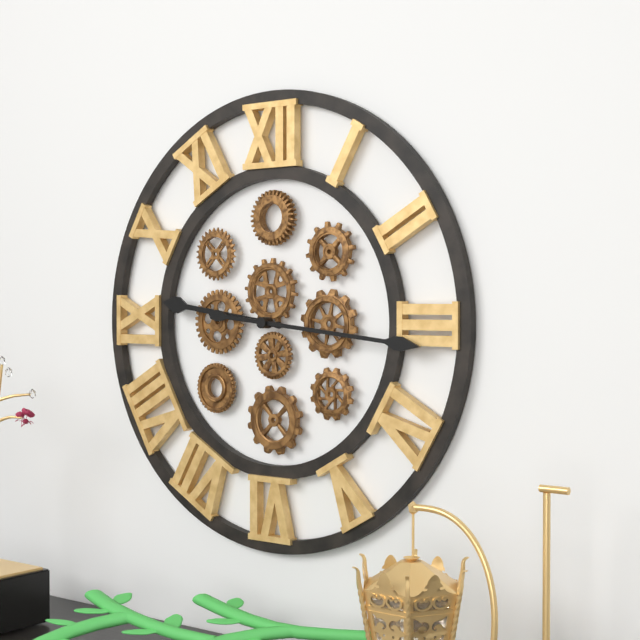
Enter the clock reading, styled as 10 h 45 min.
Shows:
9 h 16 min
